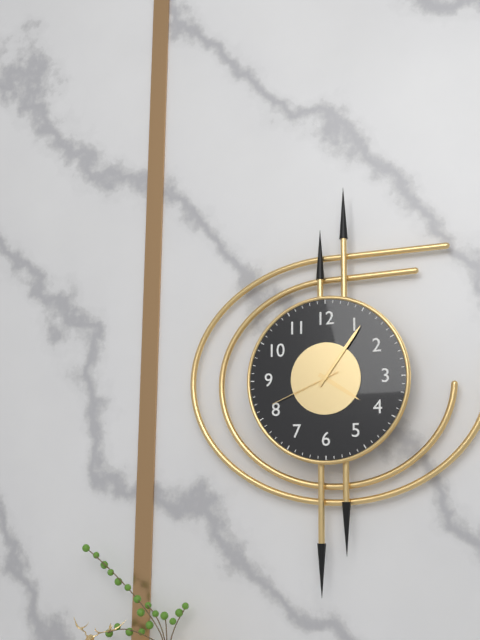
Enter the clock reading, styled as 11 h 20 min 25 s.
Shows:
4 h 06 min 41 s
